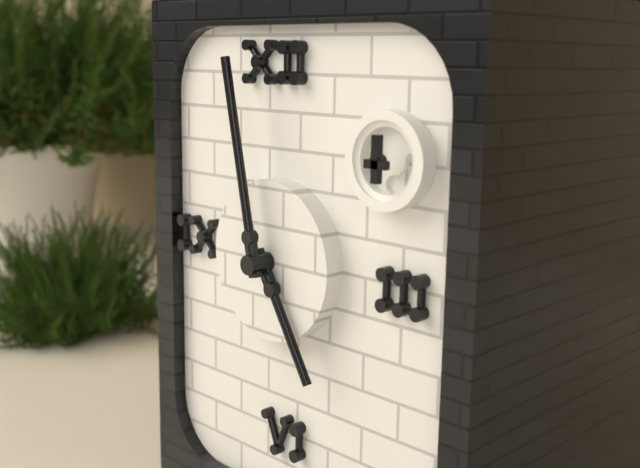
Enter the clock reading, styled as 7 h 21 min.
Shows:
4 h 58 min
